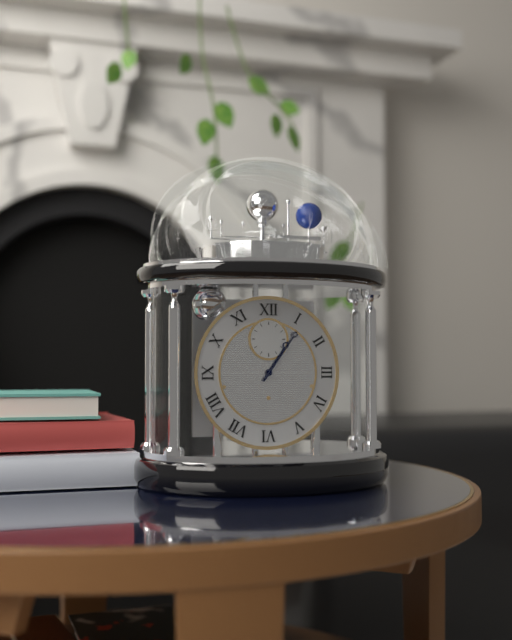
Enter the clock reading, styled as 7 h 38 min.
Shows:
1 h 06 min
